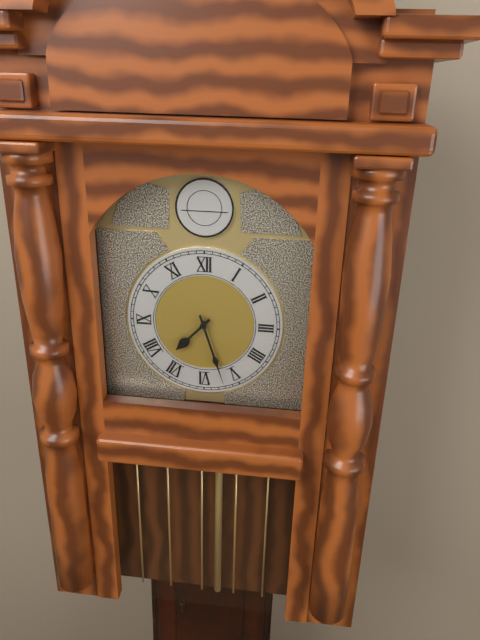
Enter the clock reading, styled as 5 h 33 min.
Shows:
7 h 27 min
